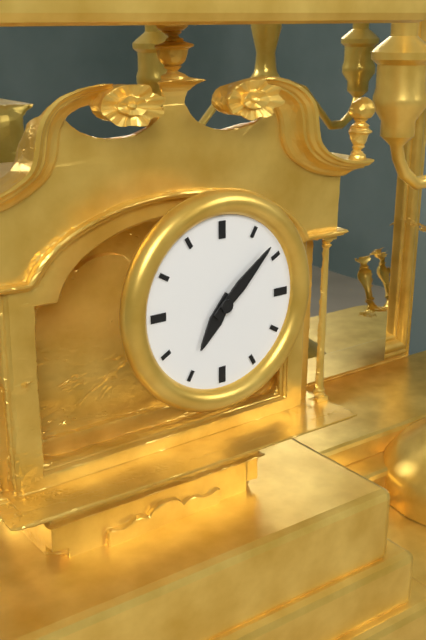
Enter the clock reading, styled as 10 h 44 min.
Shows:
7 h 08 min
